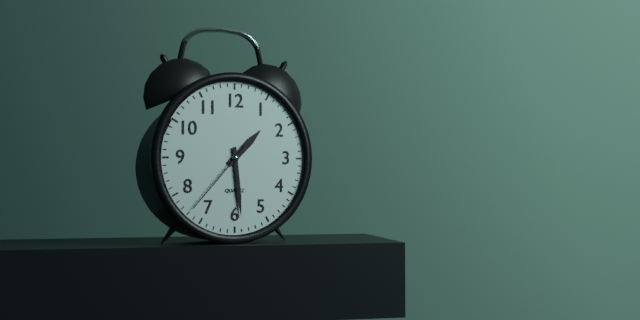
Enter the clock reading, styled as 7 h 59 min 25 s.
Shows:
1 h 29 min 37 s
